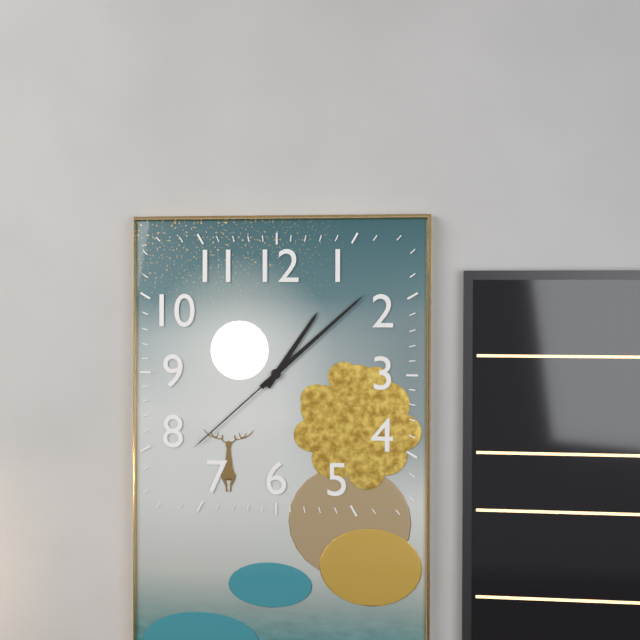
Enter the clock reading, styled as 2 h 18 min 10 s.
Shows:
1 h 08 min 38 s
